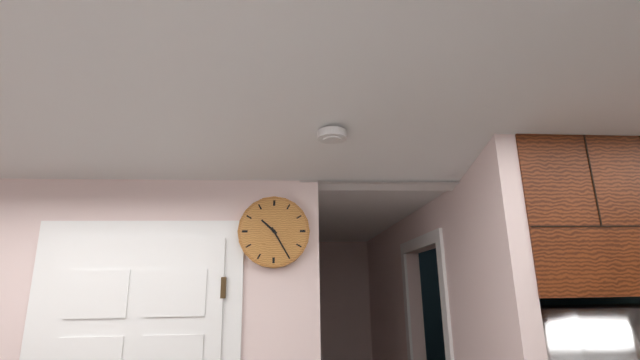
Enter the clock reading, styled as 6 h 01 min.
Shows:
10 h 25 min
